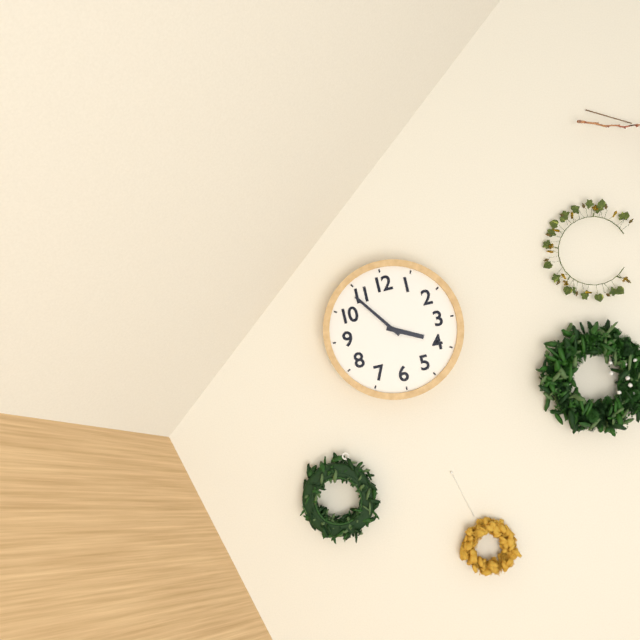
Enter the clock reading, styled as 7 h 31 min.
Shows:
3 h 54 min
